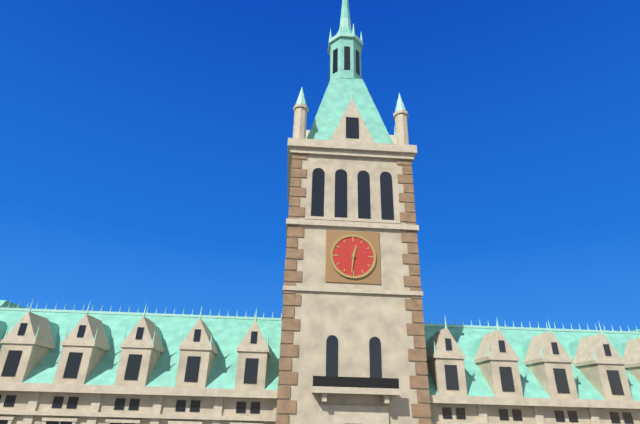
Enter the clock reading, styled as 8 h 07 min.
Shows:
12 h 31 min
